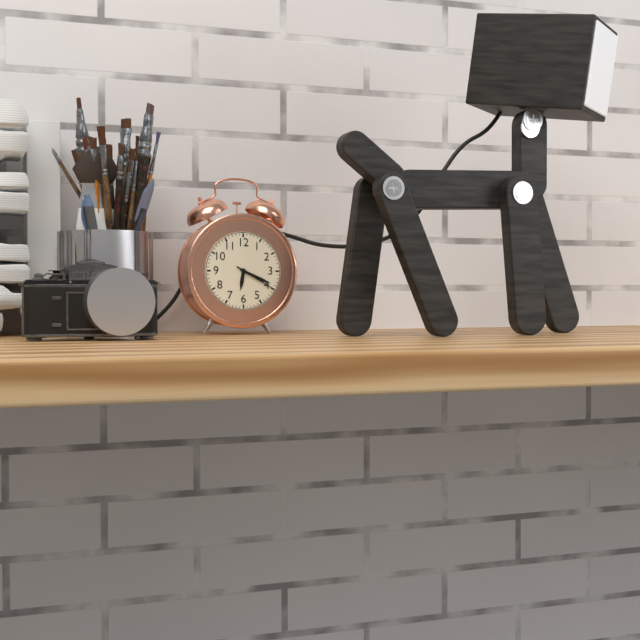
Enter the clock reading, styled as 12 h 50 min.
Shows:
6 h 19 min
